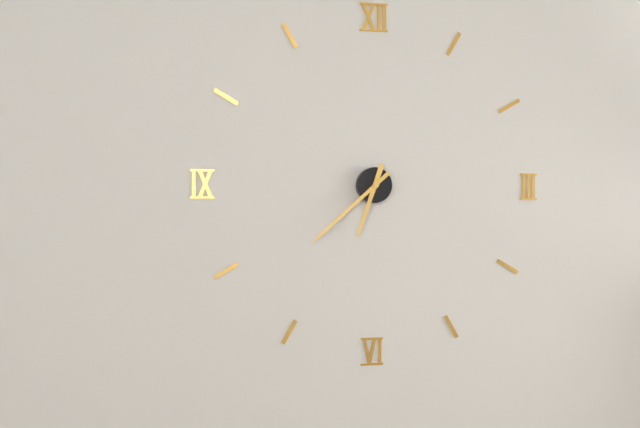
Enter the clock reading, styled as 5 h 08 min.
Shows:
6 h 38 min
